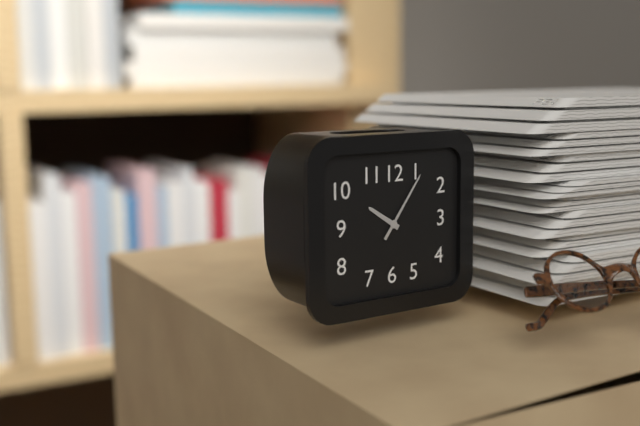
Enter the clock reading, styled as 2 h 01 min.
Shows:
10 h 06 min
